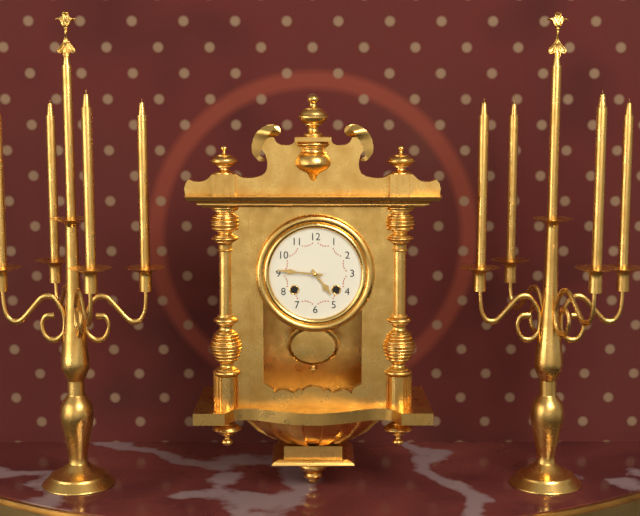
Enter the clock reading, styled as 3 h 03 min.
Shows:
4 h 46 min
